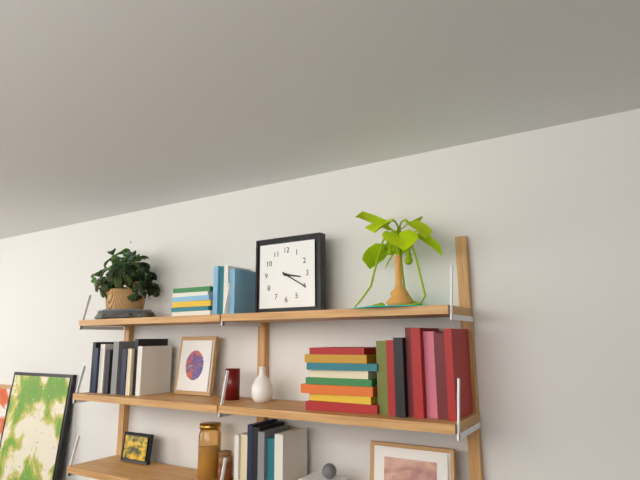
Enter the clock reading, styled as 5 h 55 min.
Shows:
3 h 20 min
